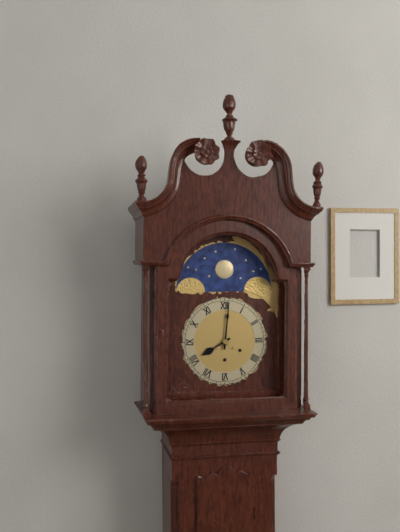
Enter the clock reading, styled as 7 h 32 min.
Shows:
8 h 01 min
